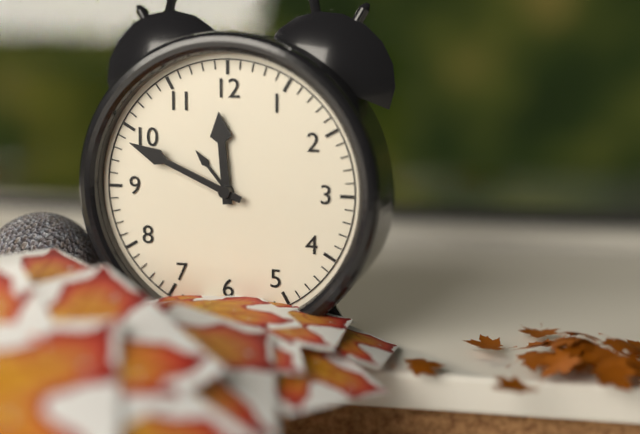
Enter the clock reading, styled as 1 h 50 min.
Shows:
11 h 49 min
